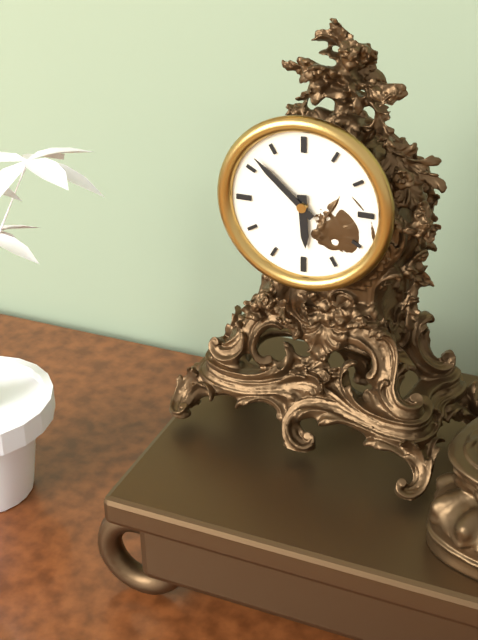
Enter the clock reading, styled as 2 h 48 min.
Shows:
5 h 52 min
